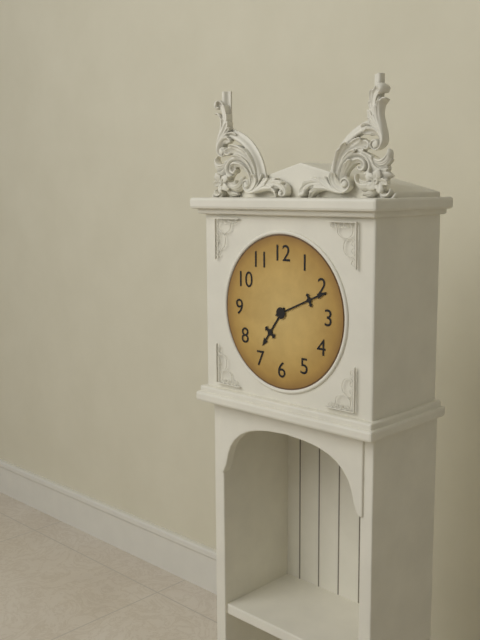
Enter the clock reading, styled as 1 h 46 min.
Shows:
7 h 11 min
